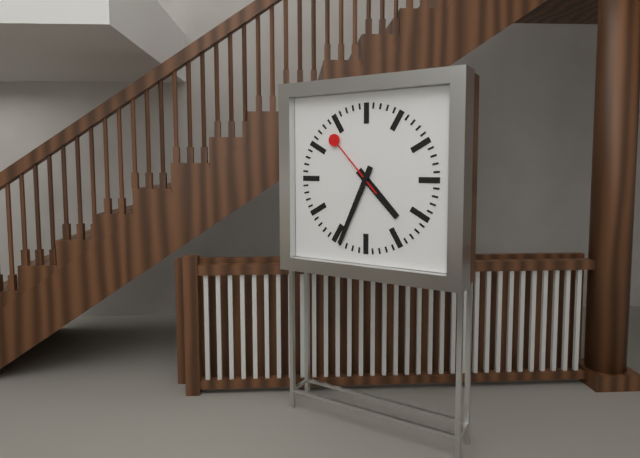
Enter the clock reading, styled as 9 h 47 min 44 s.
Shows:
4 h 34 min 53 s
